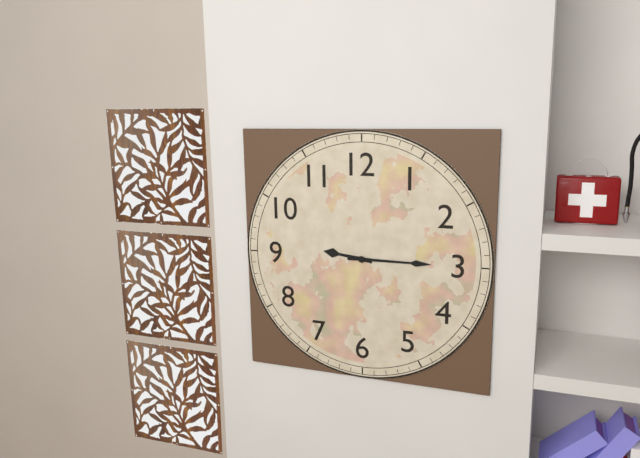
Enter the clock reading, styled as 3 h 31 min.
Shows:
9 h 15 min
